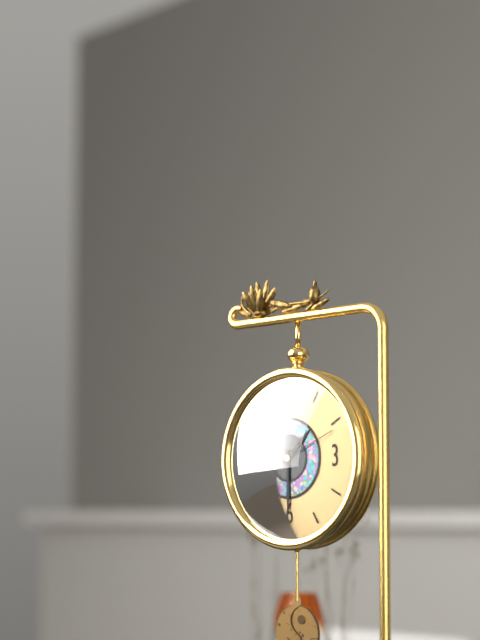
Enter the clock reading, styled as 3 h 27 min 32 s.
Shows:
1 h 30 min 11 s
